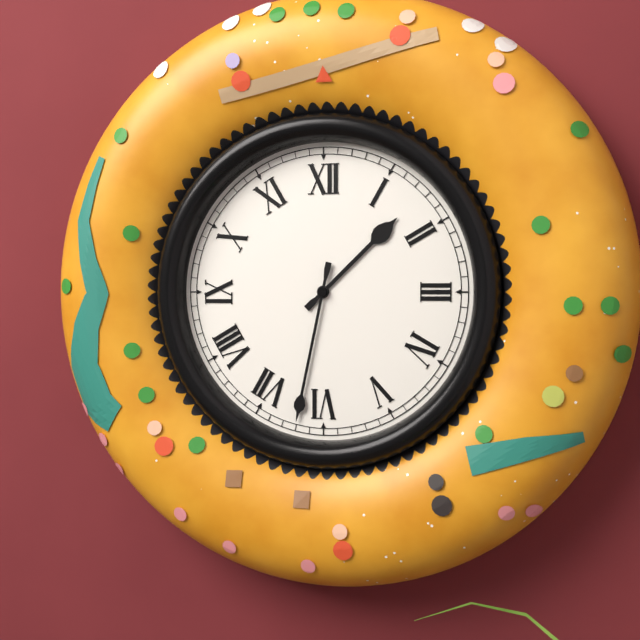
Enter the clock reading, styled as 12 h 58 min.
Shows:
1 h 32 min
